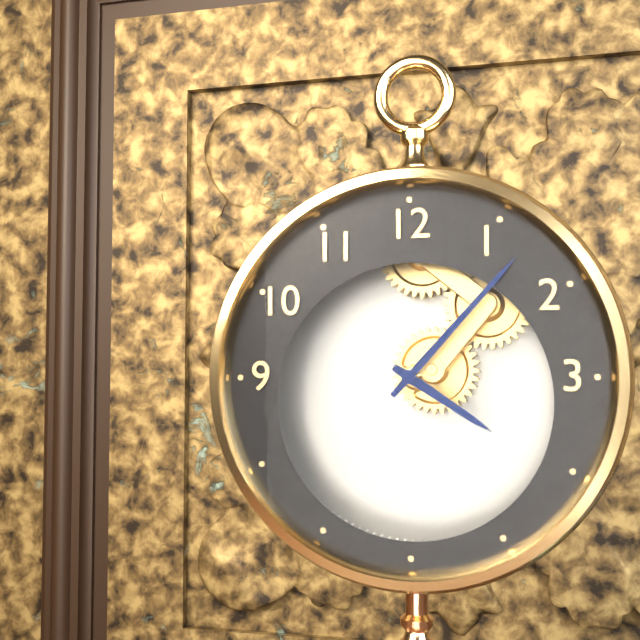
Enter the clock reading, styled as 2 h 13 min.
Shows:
4 h 07 min
